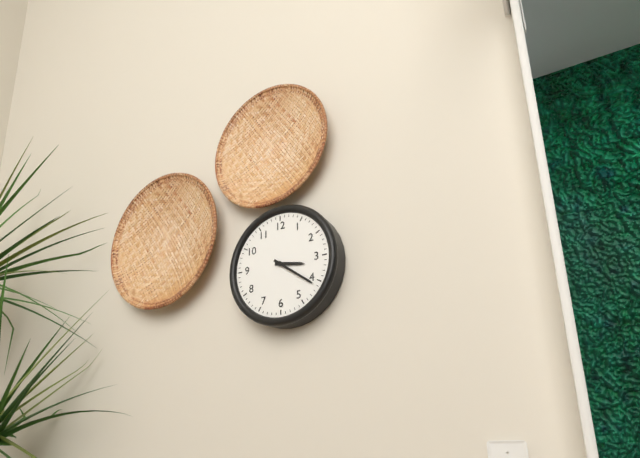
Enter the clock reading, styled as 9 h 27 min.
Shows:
3 h 21 min
